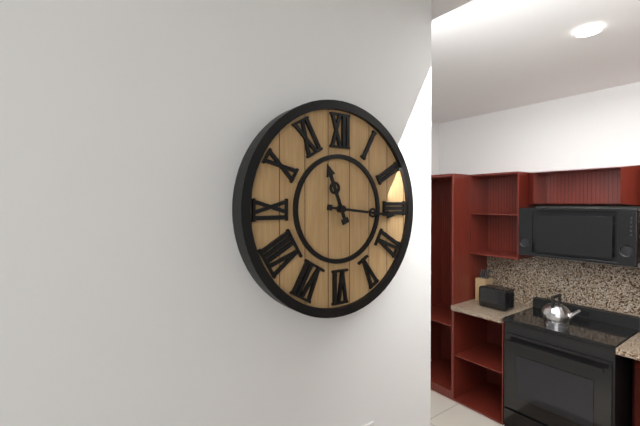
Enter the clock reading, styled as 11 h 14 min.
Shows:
11 h 16 min
